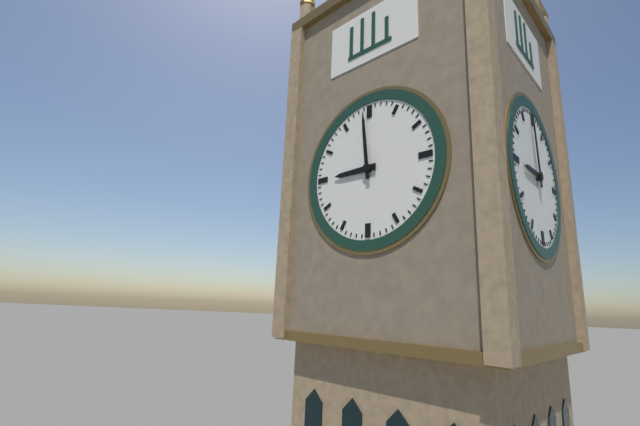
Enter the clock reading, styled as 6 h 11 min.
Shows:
8 h 59 min
